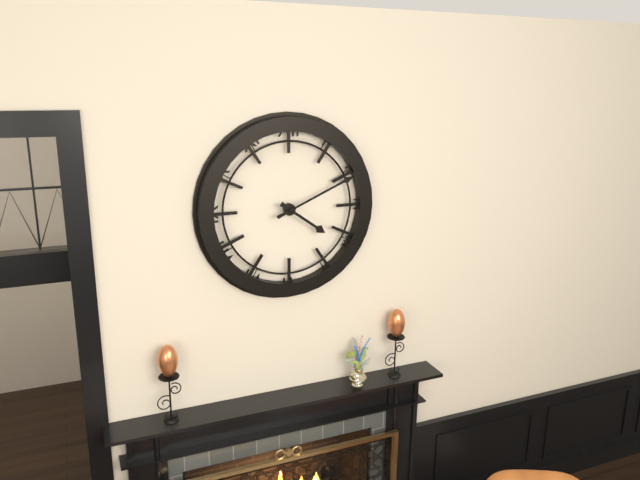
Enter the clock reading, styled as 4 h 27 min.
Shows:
4 h 11 min
